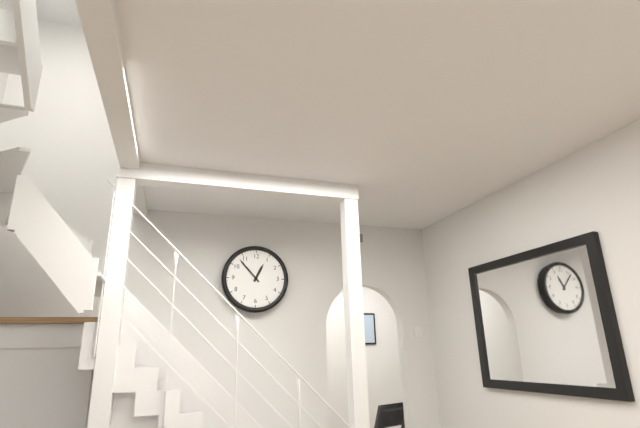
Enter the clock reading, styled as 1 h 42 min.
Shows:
12 h 53 min
